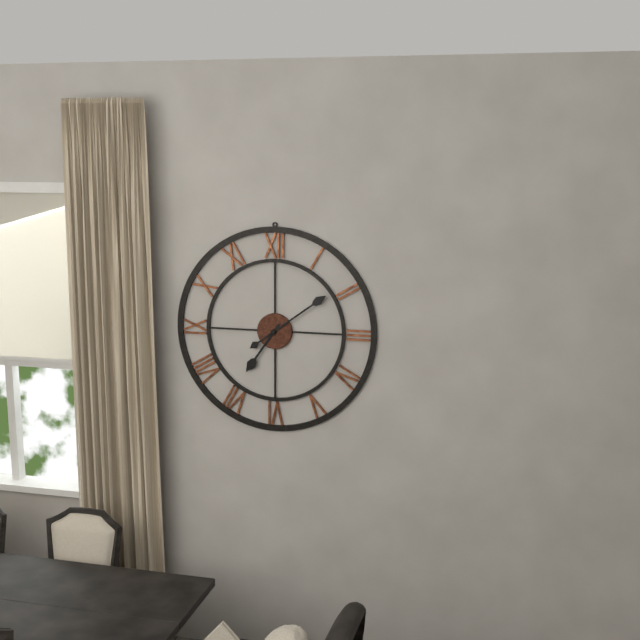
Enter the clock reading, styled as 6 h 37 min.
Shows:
7 h 09 min
